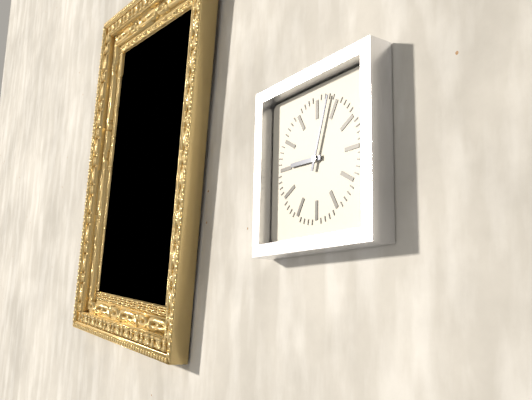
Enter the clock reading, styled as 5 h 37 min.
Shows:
9 h 03 min
